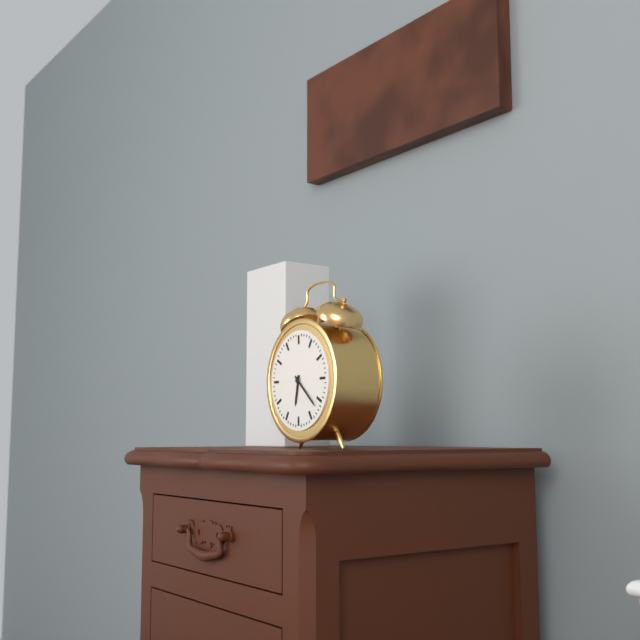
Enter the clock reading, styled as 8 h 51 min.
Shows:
6 h 22 min
